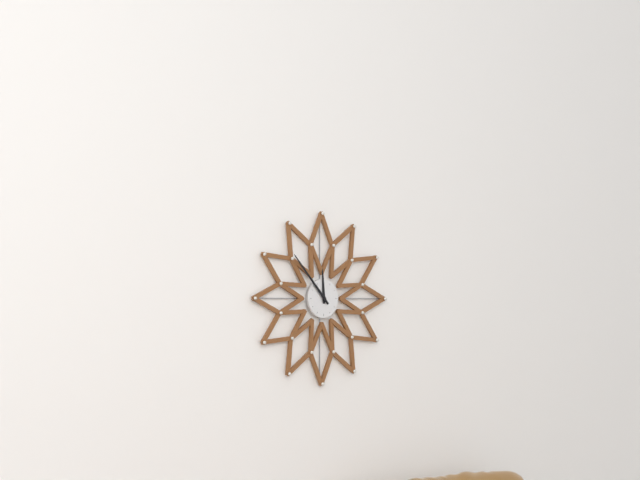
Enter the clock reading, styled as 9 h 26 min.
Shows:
11 h 53 min
